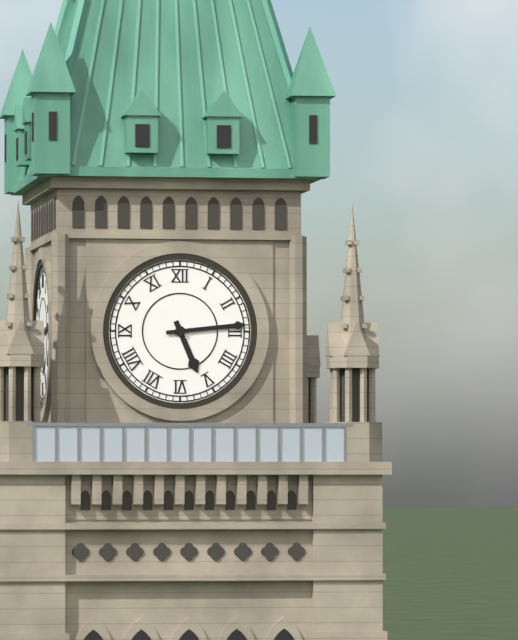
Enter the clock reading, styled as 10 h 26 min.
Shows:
5 h 14 min
